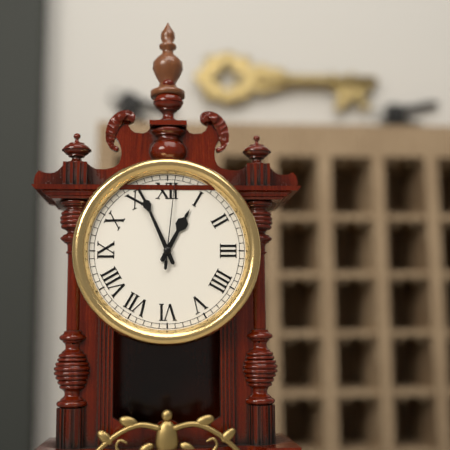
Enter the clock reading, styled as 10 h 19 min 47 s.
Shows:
12 h 56 min 01 s
